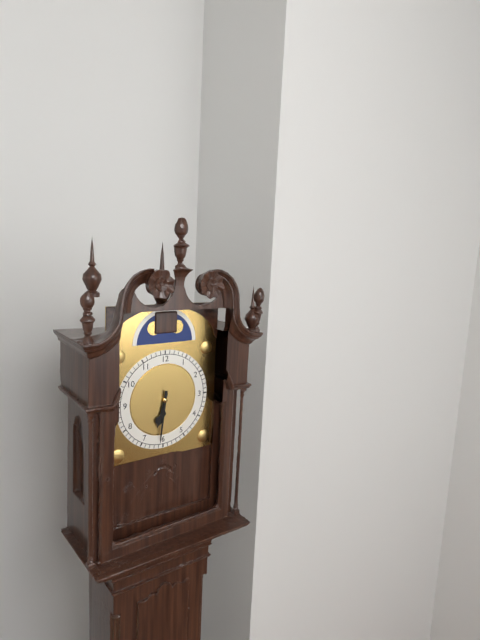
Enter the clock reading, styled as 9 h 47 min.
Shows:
6 h 31 min
